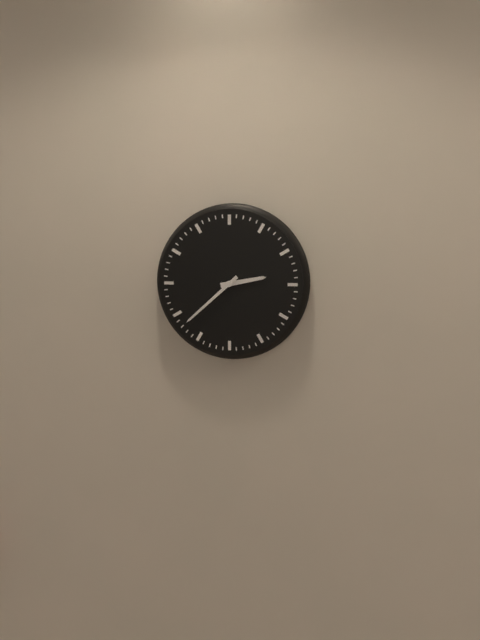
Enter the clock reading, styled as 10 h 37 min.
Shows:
2 h 38 min
